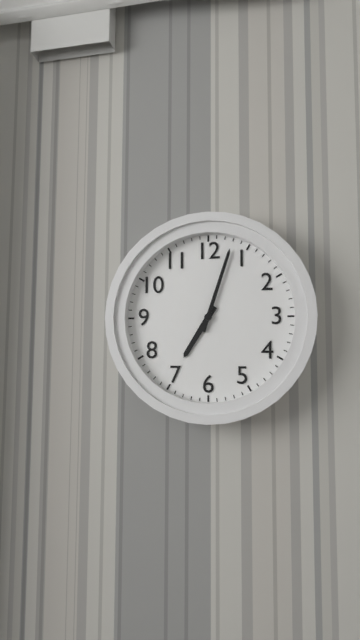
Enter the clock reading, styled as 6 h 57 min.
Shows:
7 h 03 min
